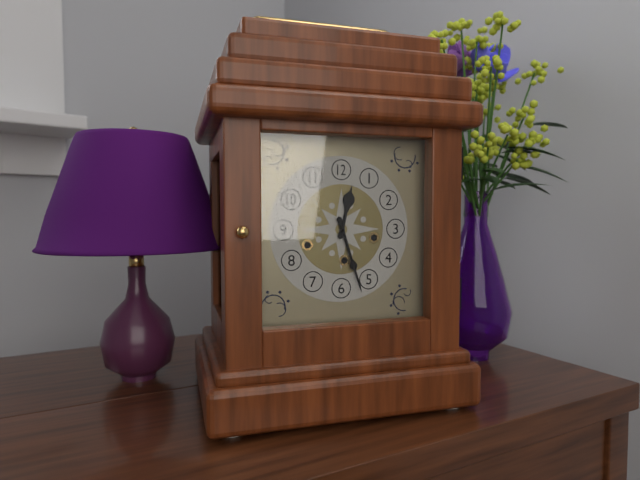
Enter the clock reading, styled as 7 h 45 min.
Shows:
12 h 27 min
